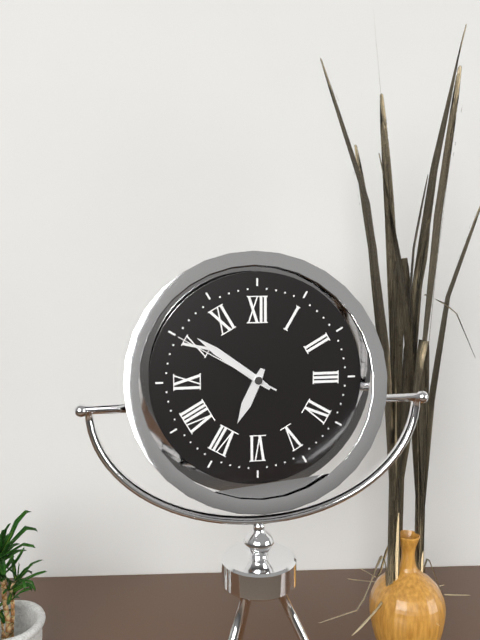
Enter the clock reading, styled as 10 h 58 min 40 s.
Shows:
6 h 51 min 50 s
